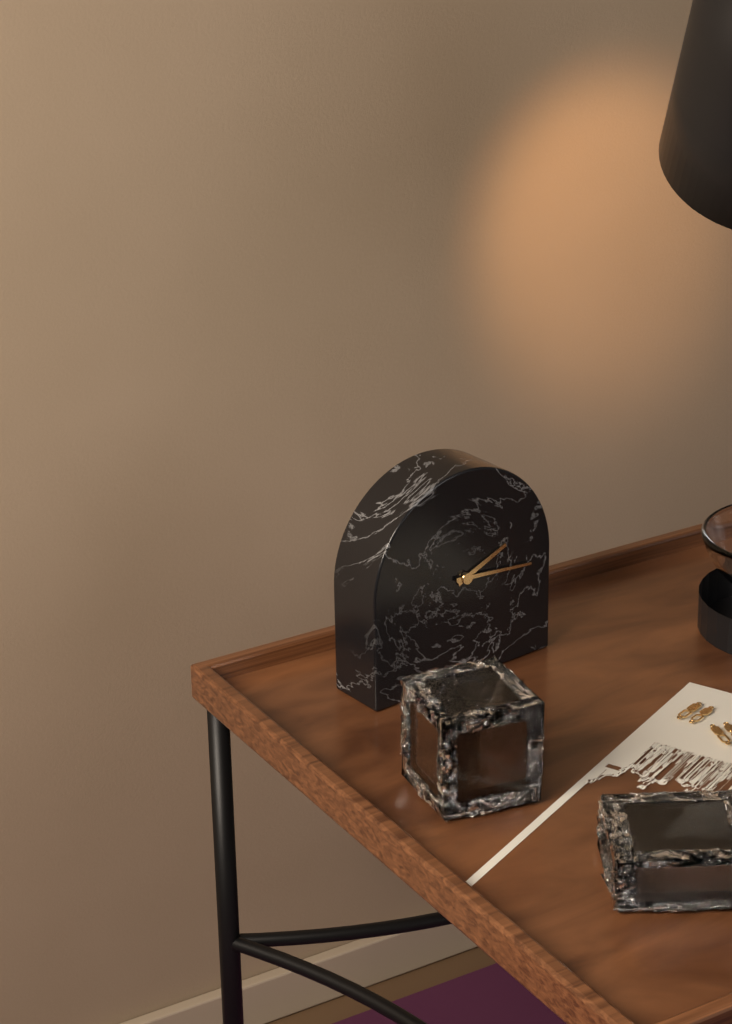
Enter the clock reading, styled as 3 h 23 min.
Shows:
2 h 16 min
